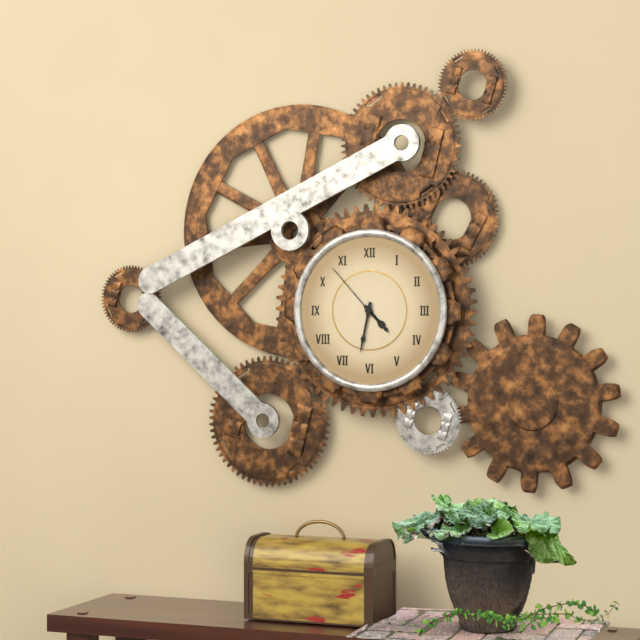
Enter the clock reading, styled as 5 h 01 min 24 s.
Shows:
4 h 32 min 53 s
